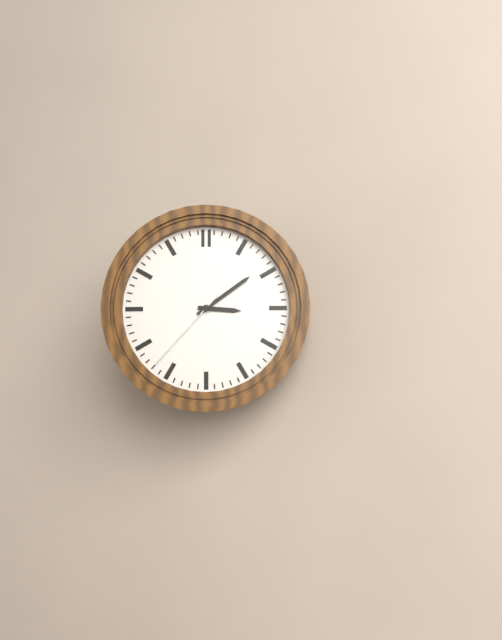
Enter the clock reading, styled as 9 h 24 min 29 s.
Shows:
3 h 09 min 37 s
